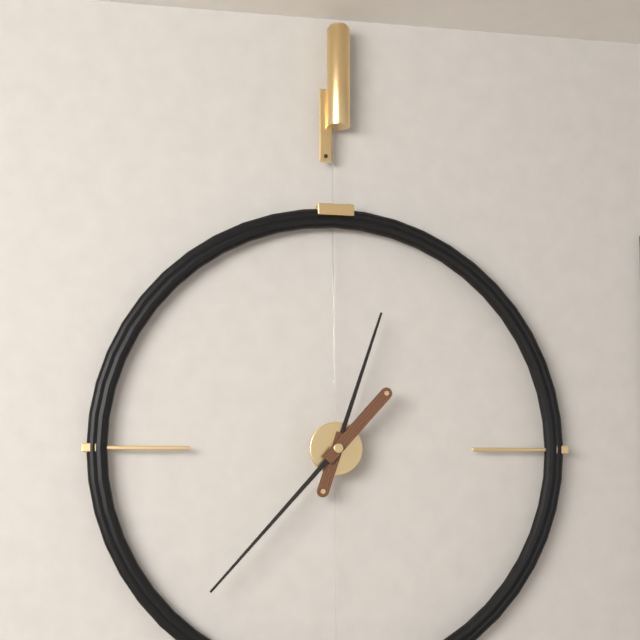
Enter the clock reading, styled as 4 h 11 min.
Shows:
12 h 37 min
